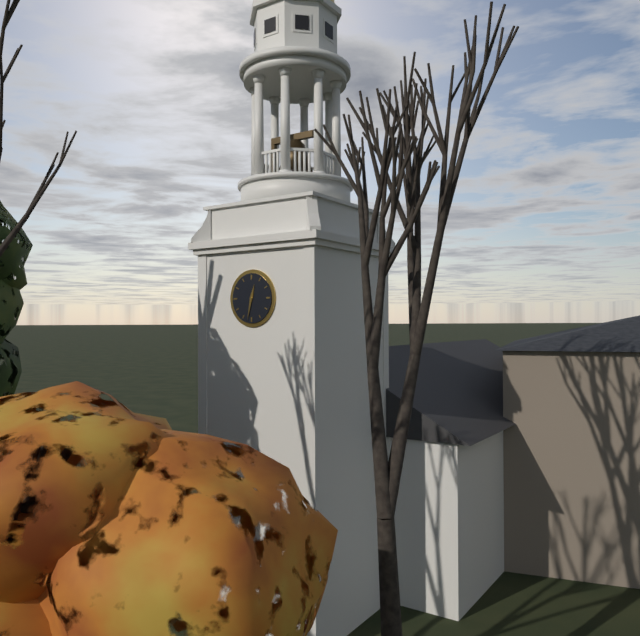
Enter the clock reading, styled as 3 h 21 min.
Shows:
12 h 32 min
